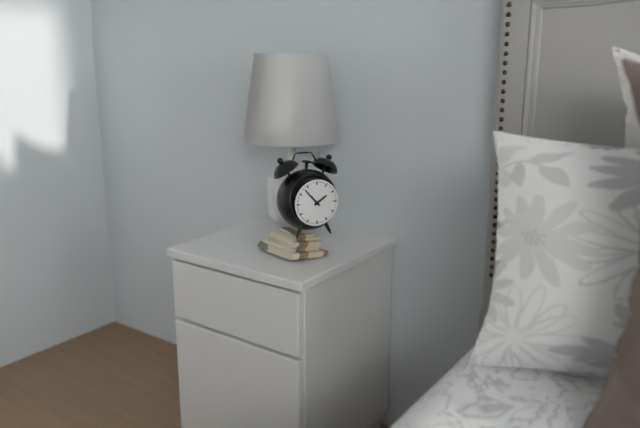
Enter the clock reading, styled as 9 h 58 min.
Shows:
1 h 53 min
